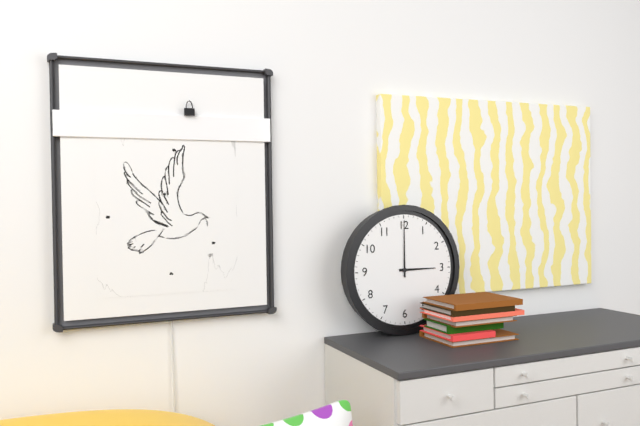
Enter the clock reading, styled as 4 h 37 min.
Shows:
3 h 00 min
